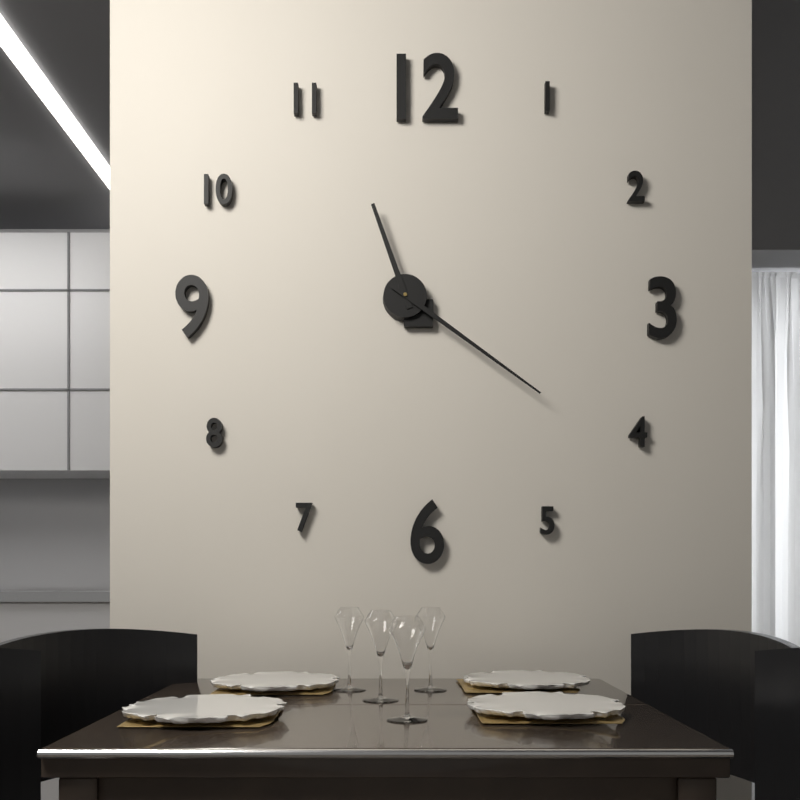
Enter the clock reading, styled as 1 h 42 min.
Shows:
11 h 21 min
